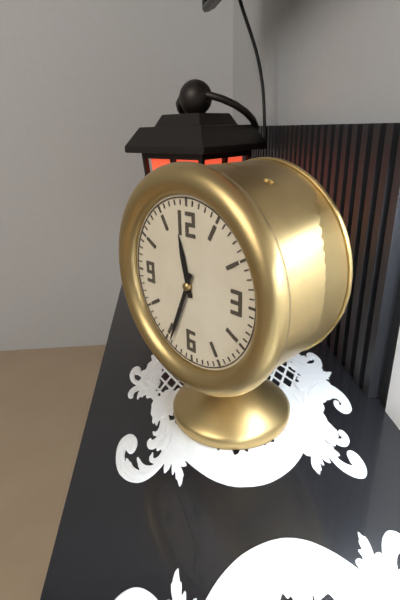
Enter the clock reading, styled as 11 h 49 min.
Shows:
11 h 34 min
